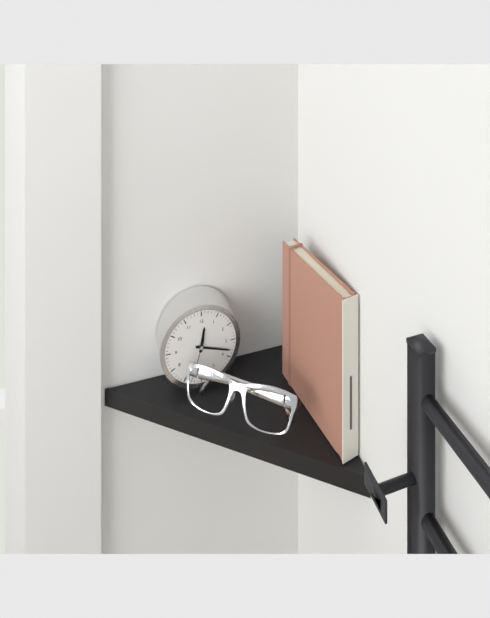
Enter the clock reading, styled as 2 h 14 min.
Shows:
12 h 18 min
